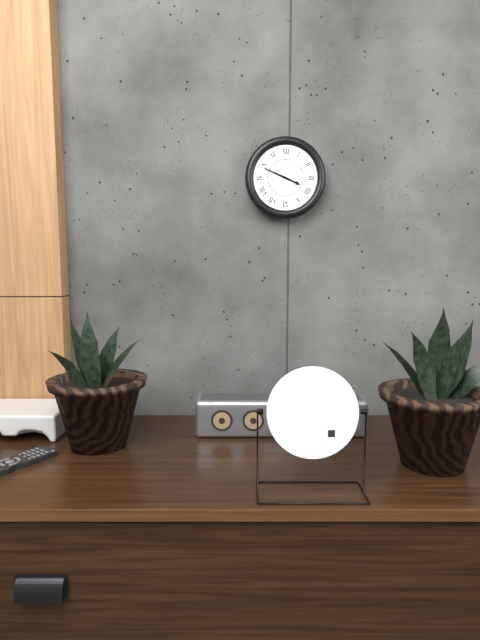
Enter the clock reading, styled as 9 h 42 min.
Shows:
3 h 49 min
